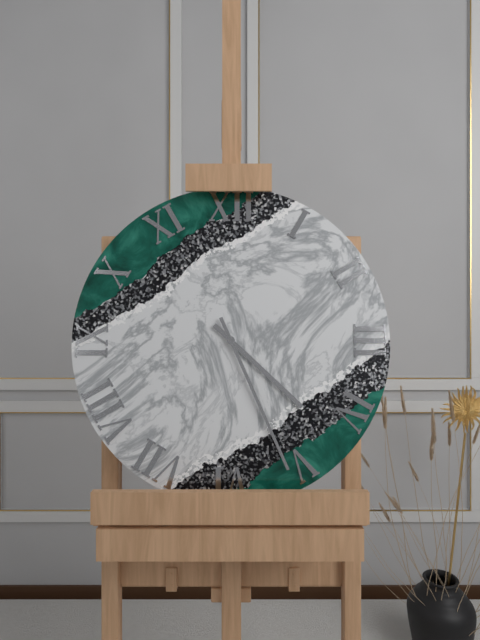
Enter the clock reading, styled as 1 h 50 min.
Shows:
4 h 26 min
